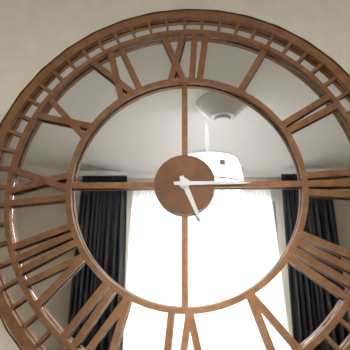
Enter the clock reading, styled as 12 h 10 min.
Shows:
5 h 15 min
